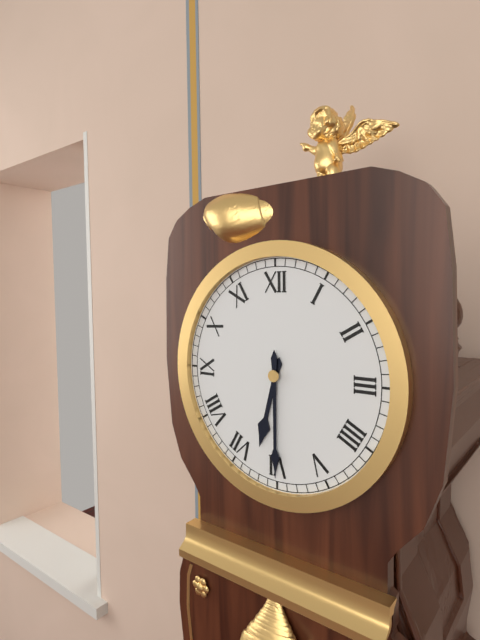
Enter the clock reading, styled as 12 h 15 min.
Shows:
6 h 30 min
